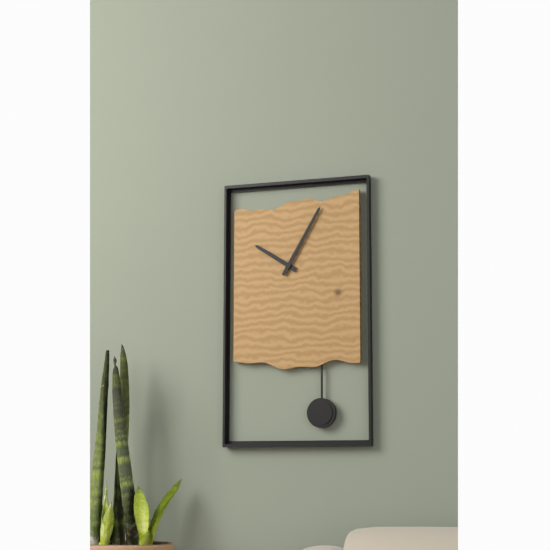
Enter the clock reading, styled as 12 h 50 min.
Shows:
10 h 05 min
